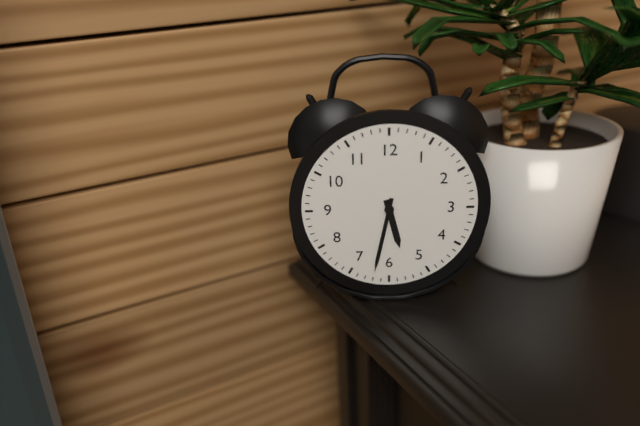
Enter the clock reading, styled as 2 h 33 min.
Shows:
5 h 32 min
